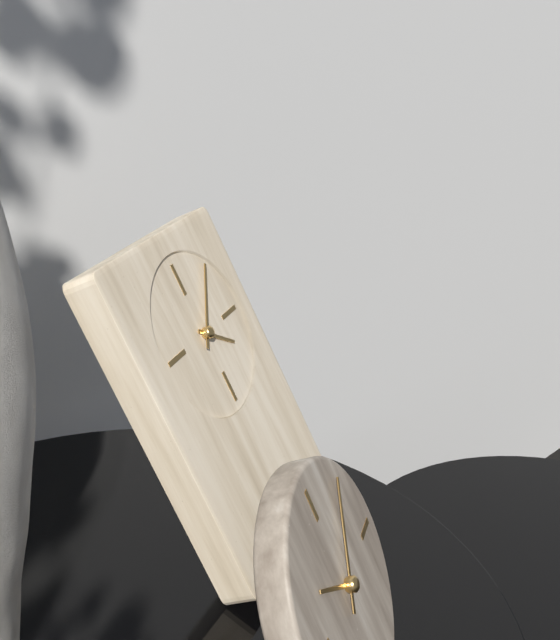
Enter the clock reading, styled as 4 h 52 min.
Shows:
4 h 07 min
